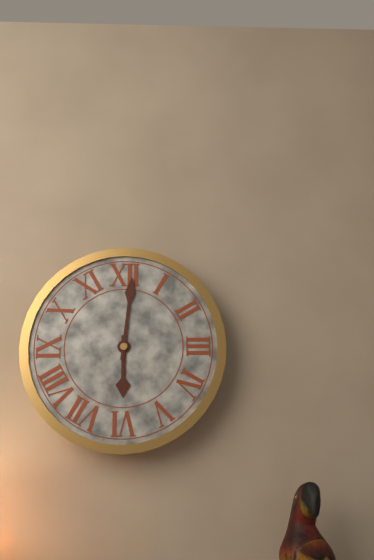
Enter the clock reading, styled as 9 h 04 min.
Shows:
6 h 01 min
